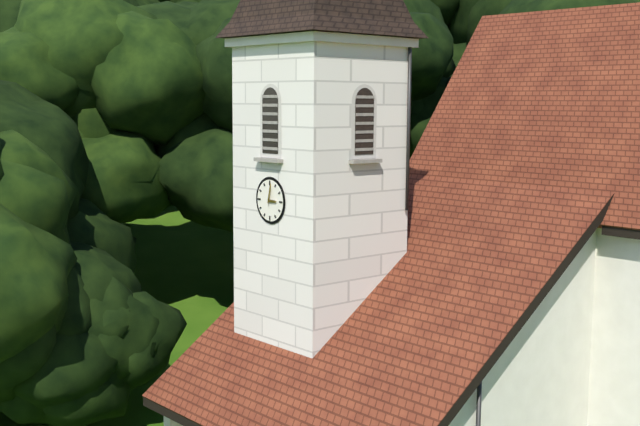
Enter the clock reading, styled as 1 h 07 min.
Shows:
3 h 02 min
